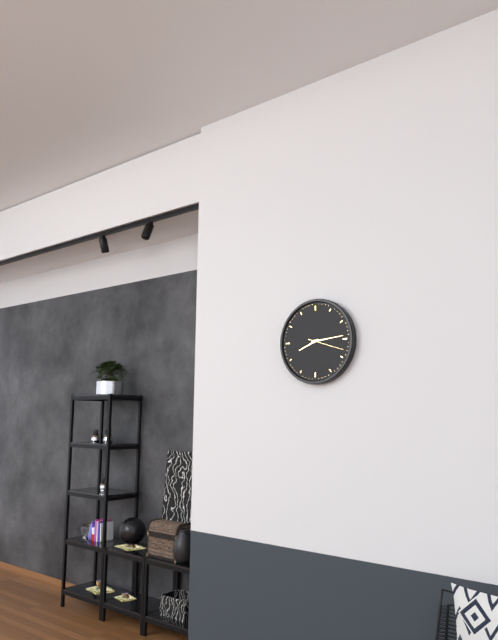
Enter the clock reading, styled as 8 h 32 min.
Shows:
8 h 14 min
